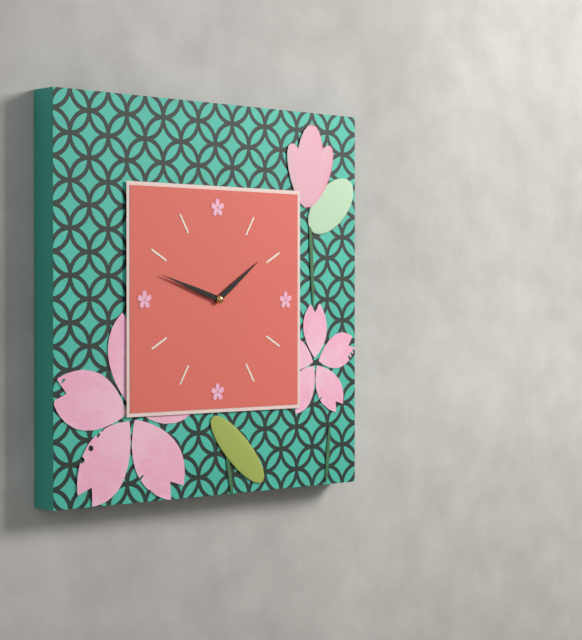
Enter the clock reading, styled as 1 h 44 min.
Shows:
1 h 48 min
